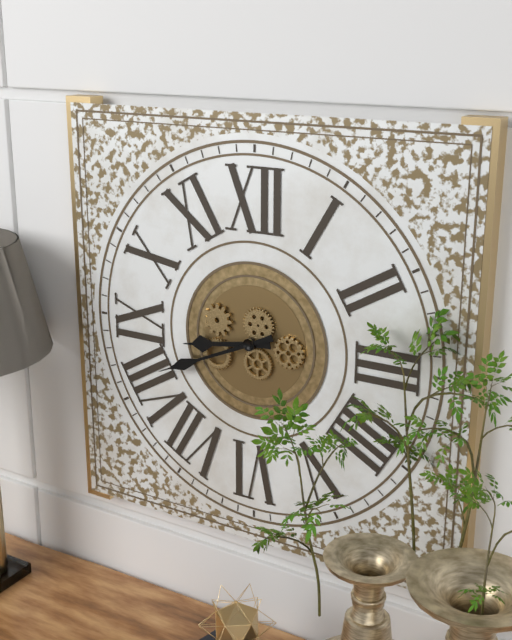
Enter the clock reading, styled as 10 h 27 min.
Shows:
8 h 41 min
